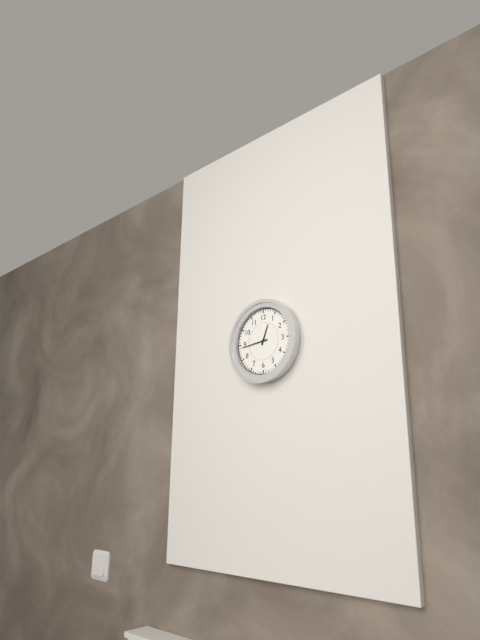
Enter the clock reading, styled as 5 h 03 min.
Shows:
12 h 44 min
